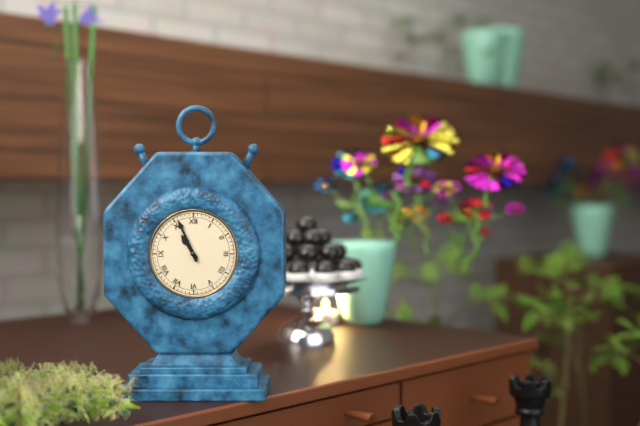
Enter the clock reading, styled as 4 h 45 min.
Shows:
10 h 56 min
